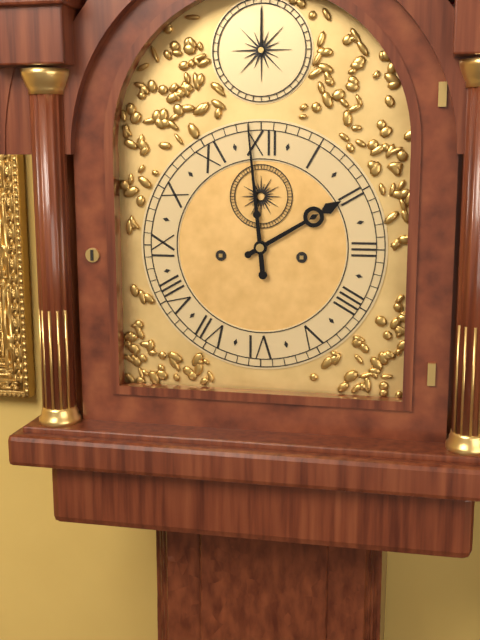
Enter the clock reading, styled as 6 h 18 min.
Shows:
1 h 59 min
